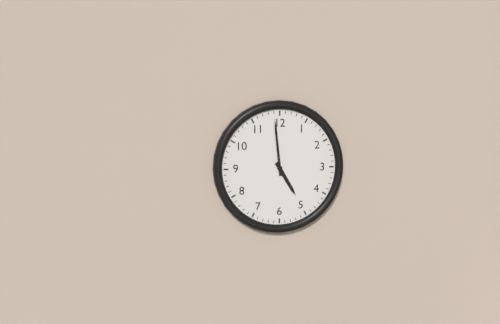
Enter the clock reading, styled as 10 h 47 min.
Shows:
4 h 59 min
